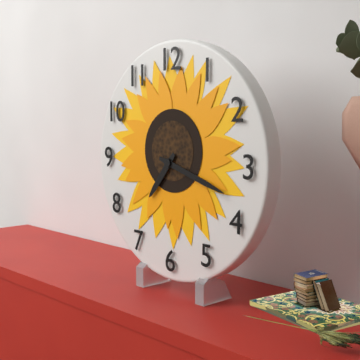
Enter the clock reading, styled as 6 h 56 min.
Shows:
7 h 18 min
